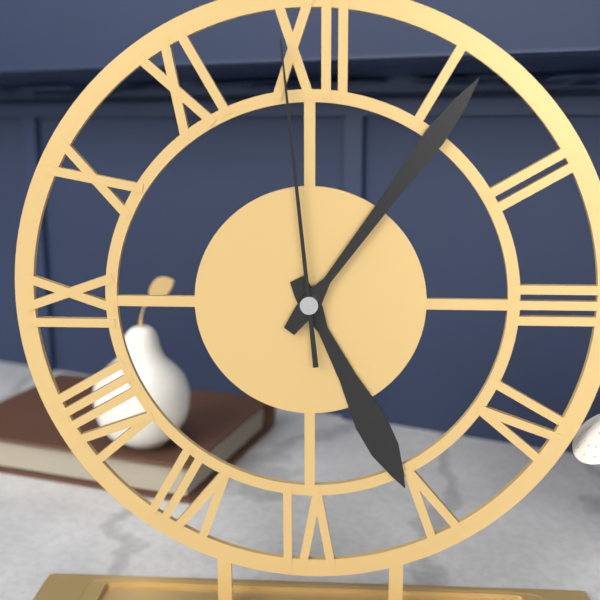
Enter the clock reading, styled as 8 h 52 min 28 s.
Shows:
5 h 06 min 59 s
